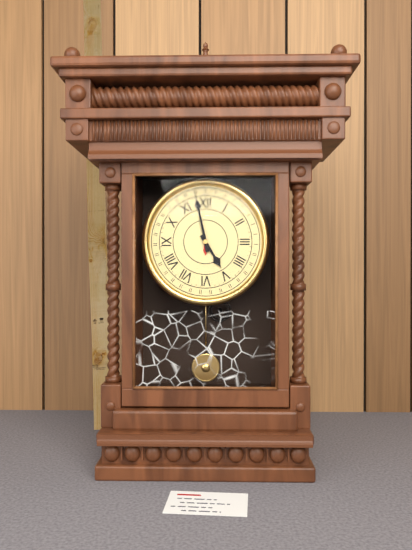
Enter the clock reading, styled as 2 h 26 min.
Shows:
4 h 58 min
